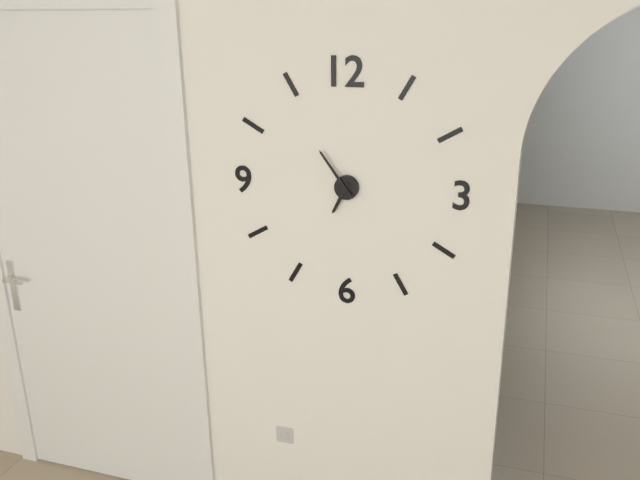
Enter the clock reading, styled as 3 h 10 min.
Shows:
6 h 54 min
